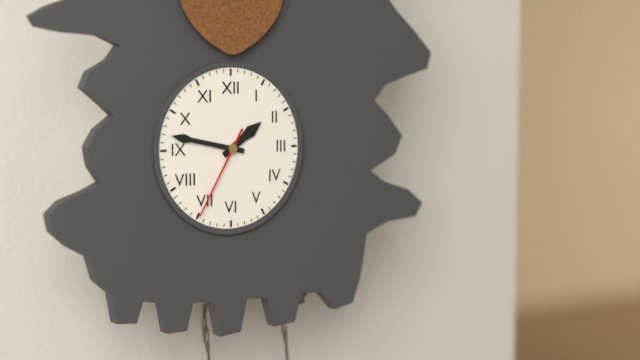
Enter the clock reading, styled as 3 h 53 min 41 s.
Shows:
1 h 47 min 35 s
